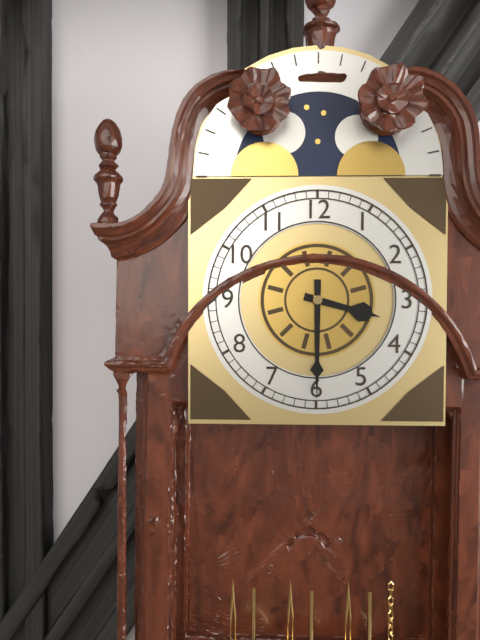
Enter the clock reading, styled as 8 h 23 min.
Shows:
3 h 30 min
